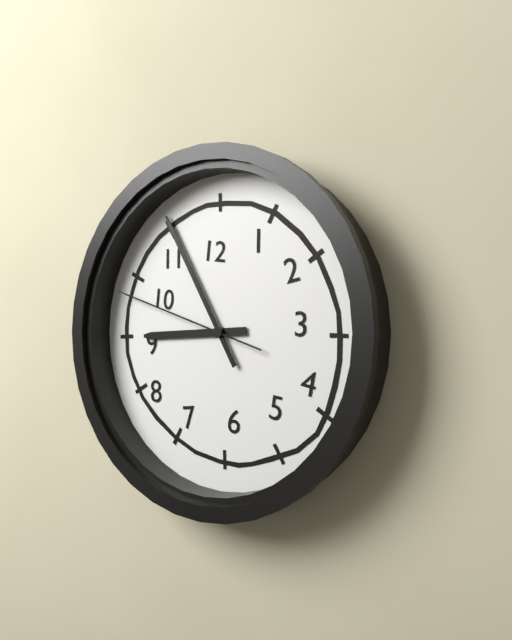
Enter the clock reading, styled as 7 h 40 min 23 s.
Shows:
8 h 55 min 48 s
